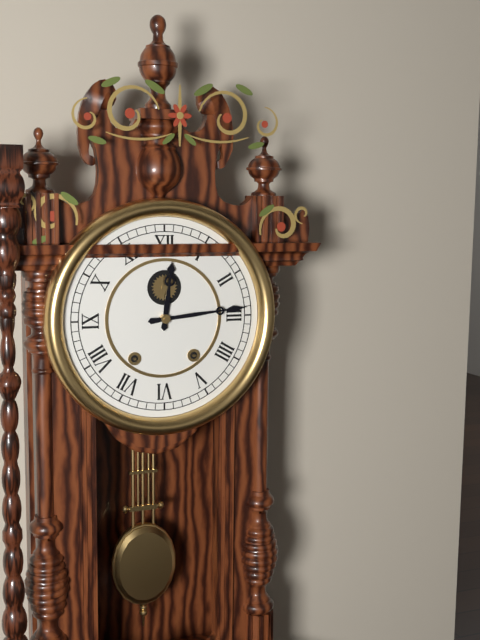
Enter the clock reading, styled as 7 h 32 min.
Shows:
12 h 14 min
